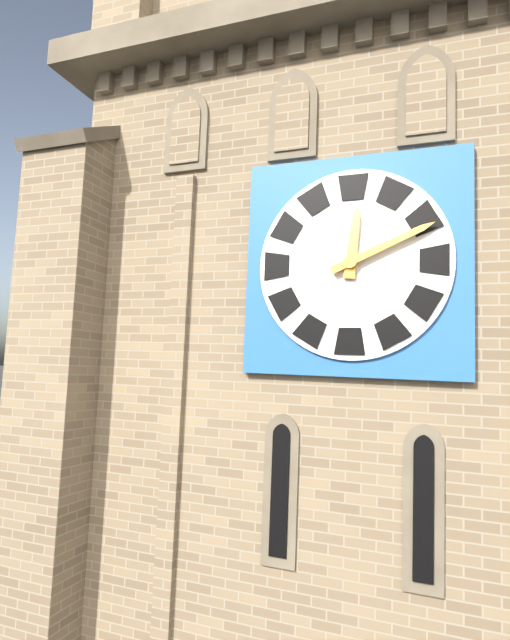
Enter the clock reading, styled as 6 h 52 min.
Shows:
12 h 11 min
